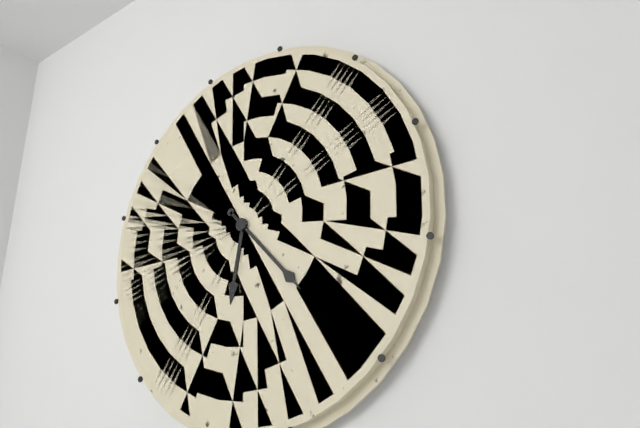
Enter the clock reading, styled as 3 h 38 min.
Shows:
6 h 23 min
